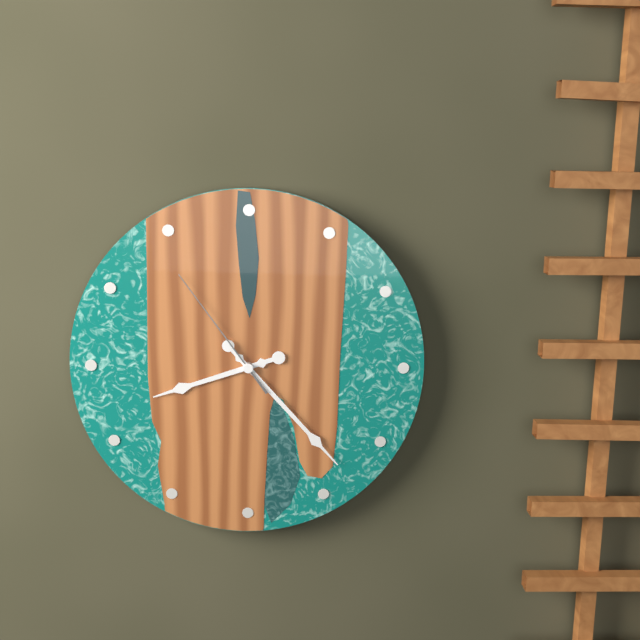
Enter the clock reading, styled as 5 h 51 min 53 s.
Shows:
8 h 23 min 54 s
